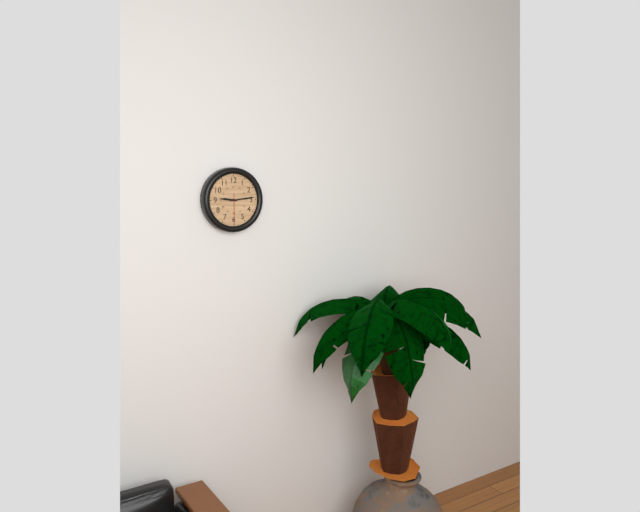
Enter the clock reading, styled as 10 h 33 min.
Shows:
9 h 14 min
